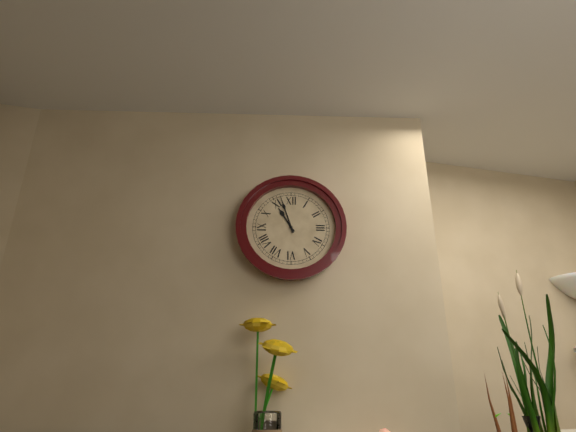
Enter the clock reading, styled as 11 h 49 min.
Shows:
10 h 57 min
